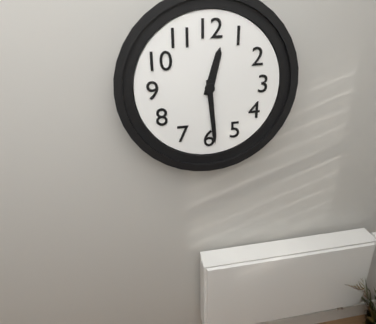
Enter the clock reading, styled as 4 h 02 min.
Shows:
12 h 29 min
